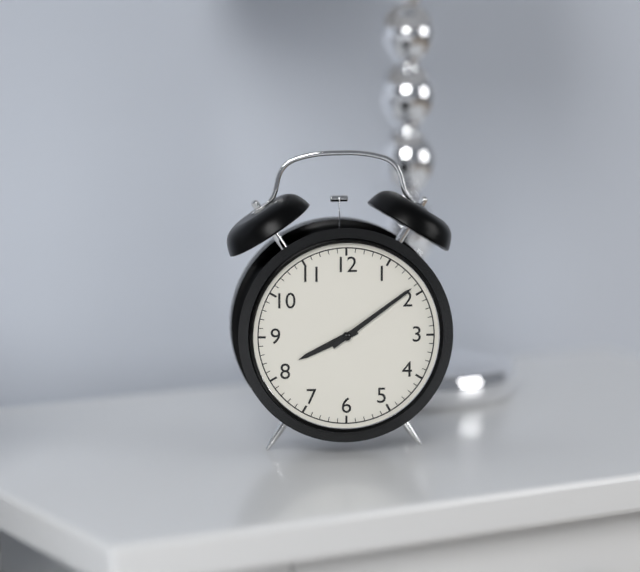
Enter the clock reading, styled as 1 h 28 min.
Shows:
8 h 09 min
